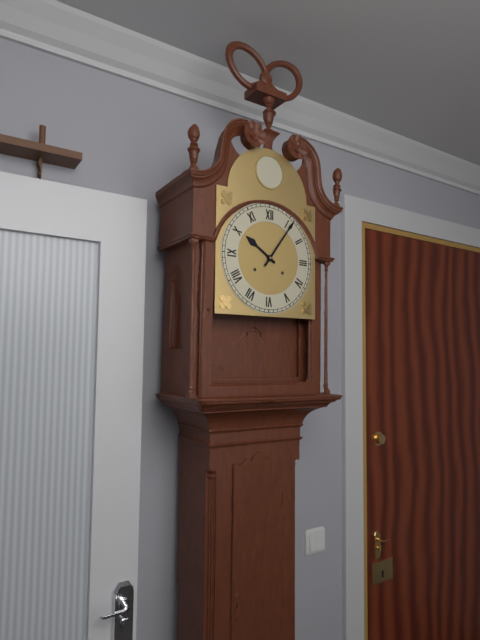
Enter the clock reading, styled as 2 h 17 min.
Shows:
10 h 06 min
